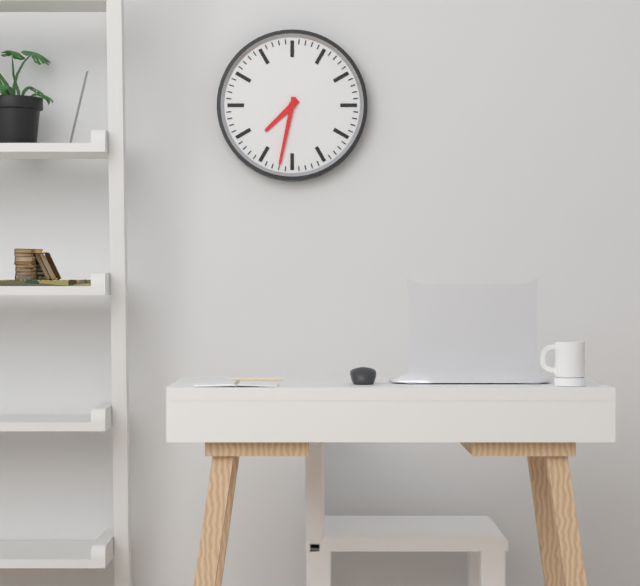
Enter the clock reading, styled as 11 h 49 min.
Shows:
7 h 32 min
